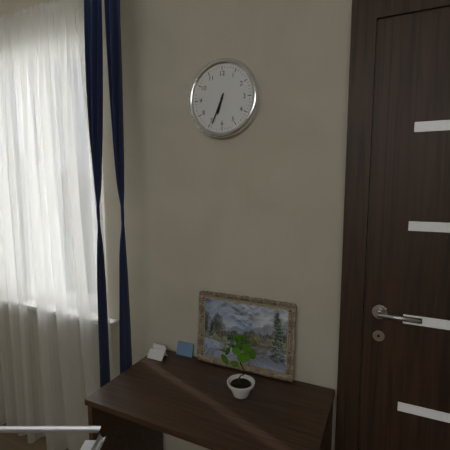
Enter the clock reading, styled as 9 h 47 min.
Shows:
6 h 34 min
